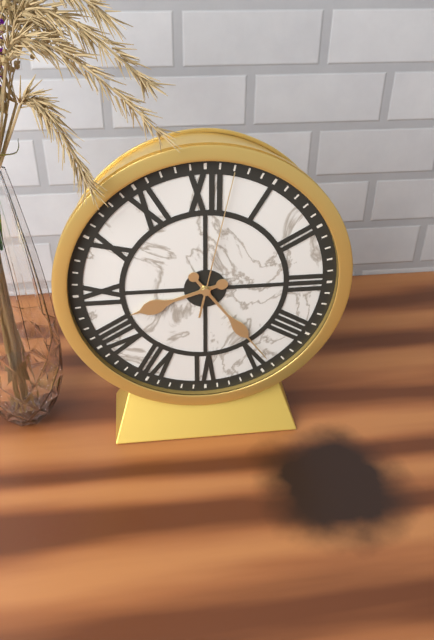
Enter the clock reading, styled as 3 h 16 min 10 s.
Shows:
8 h 24 min 02 s
